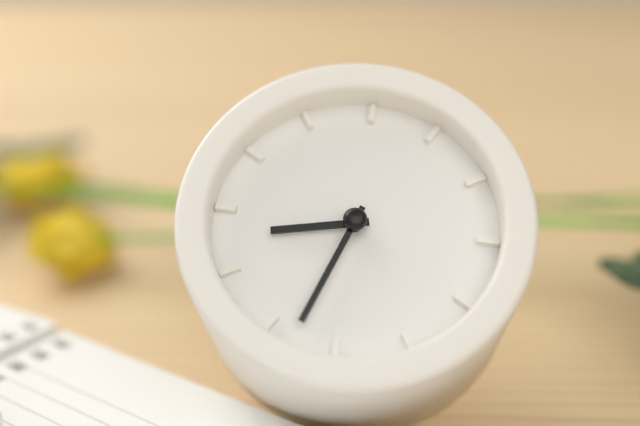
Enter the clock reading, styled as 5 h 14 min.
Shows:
8 h 33 min
